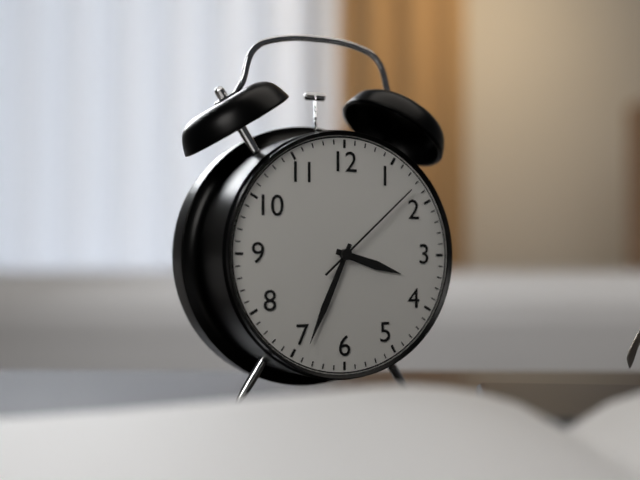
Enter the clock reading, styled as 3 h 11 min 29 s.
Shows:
3 h 34 min 08 s
